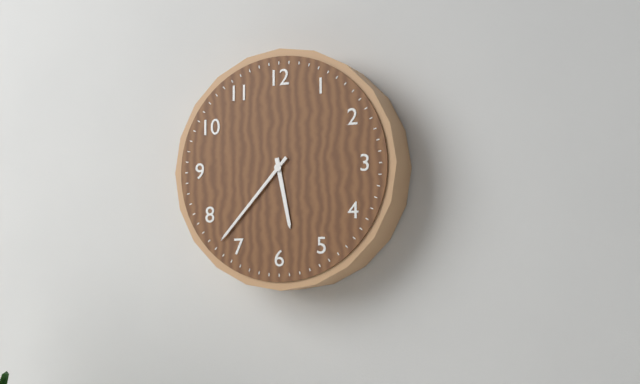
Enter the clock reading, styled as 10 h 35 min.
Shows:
5 h 37 min
